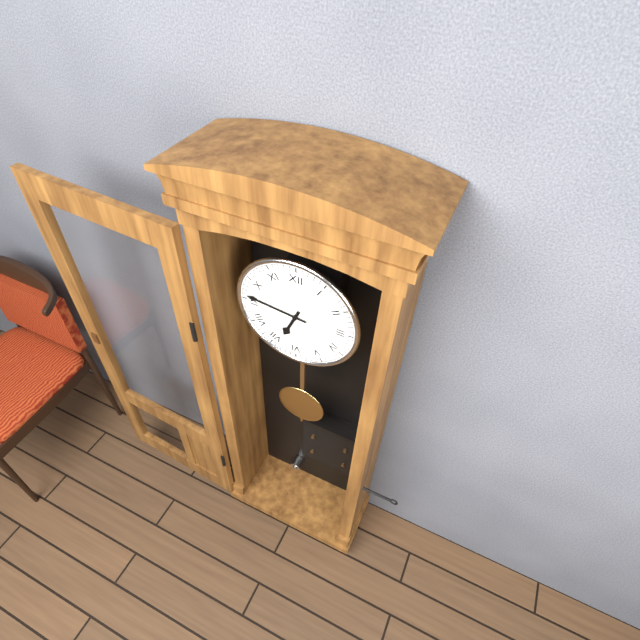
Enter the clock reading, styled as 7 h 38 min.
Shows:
6 h 46 min
